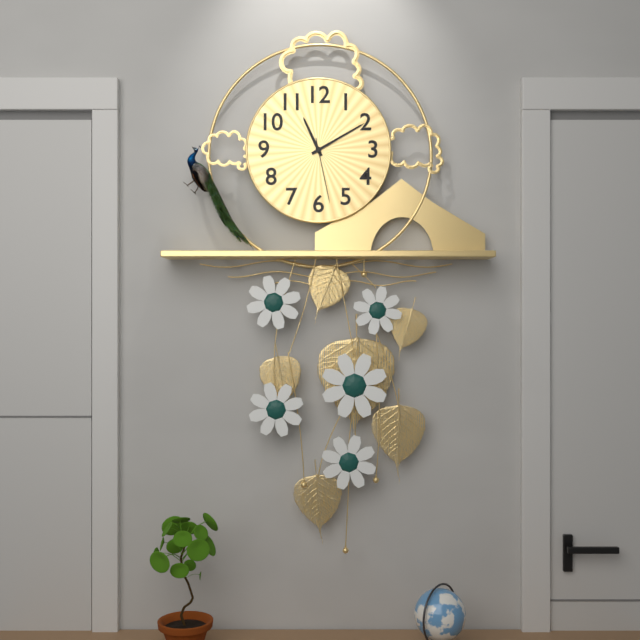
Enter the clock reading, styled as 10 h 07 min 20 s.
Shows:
11 h 10 min 28 s
